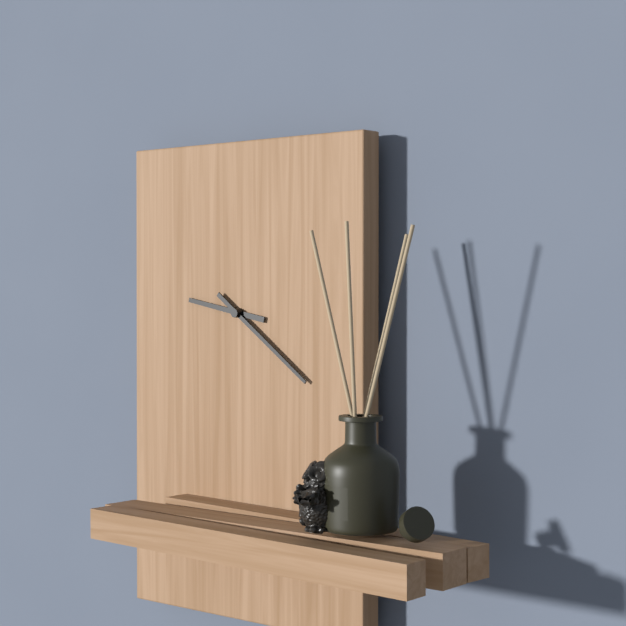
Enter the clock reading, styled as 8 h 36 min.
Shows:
9 h 21 min
